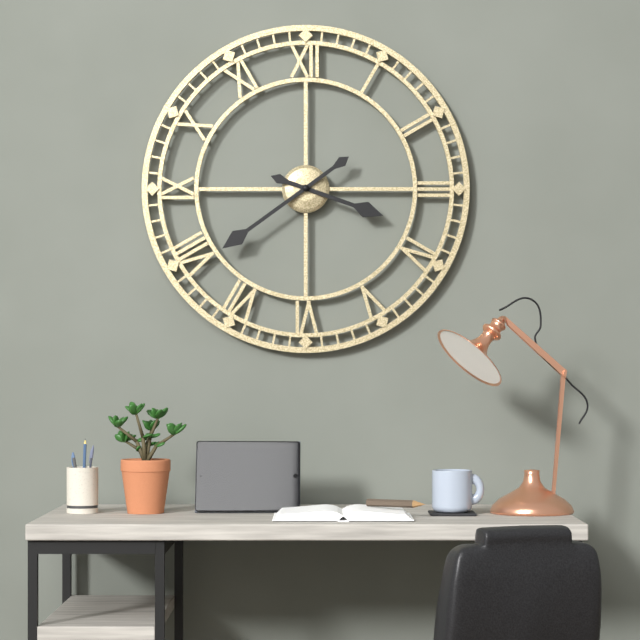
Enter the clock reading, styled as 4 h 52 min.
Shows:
3 h 39 min
